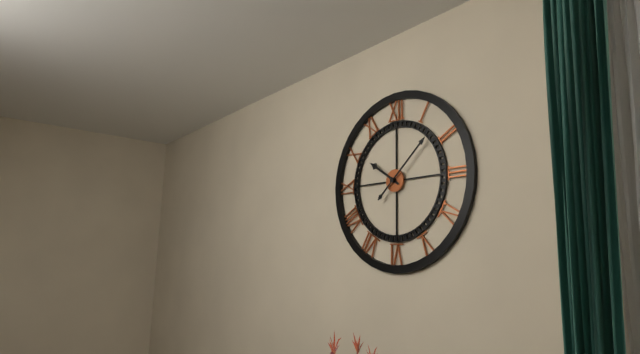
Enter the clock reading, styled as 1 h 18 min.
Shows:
10 h 08 min
